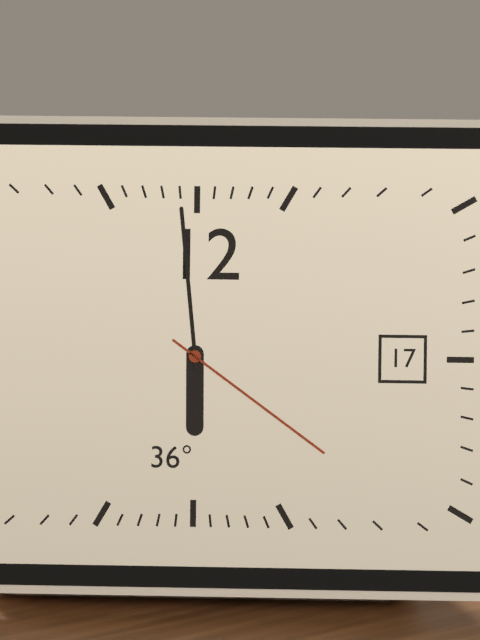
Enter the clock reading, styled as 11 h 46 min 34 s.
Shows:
5 h 59 min 21 s
